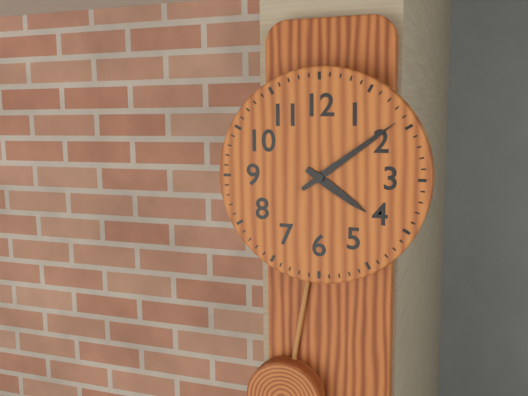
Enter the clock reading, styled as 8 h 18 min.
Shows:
4 h 09 min
